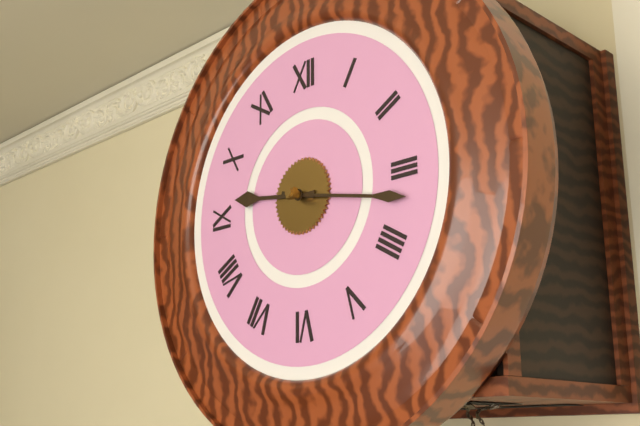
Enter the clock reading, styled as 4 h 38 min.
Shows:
9 h 17 min
